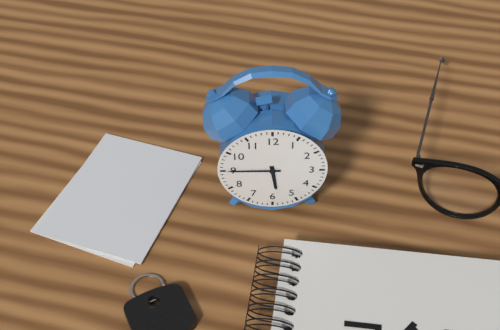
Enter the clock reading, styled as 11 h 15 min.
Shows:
5 h 45 min
